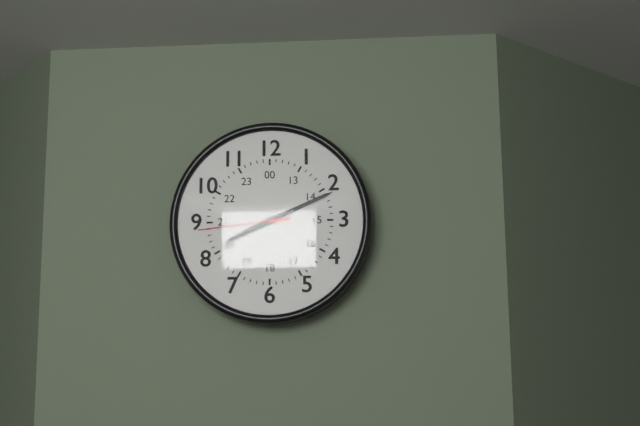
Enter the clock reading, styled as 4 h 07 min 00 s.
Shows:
8 h 11 min 44 s
